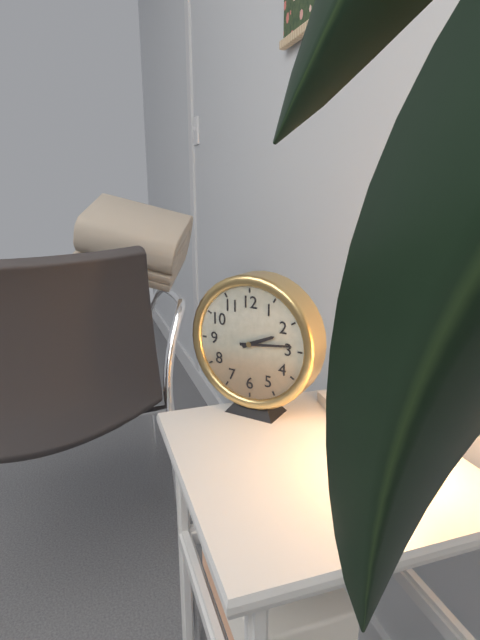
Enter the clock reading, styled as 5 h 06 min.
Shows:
2 h 14 min
